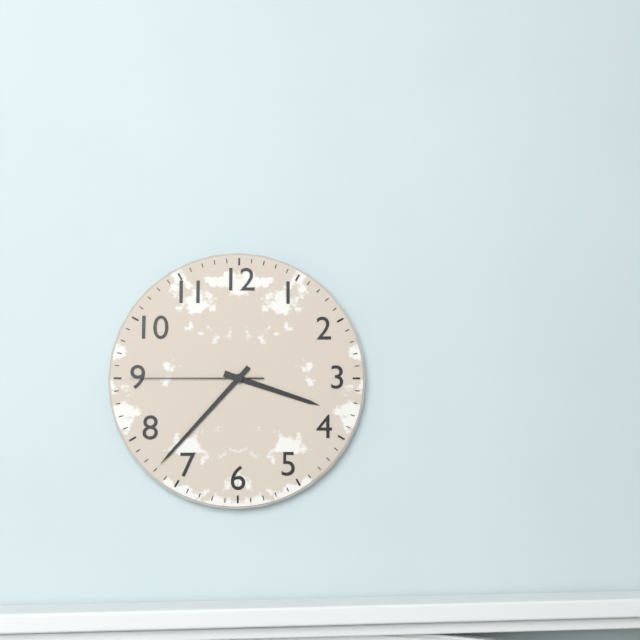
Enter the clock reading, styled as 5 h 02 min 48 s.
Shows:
3 h 37 min 45 s
